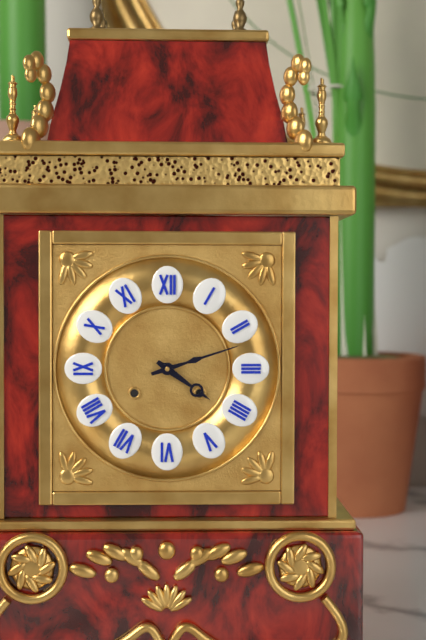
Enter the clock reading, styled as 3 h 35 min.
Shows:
4 h 12 min
